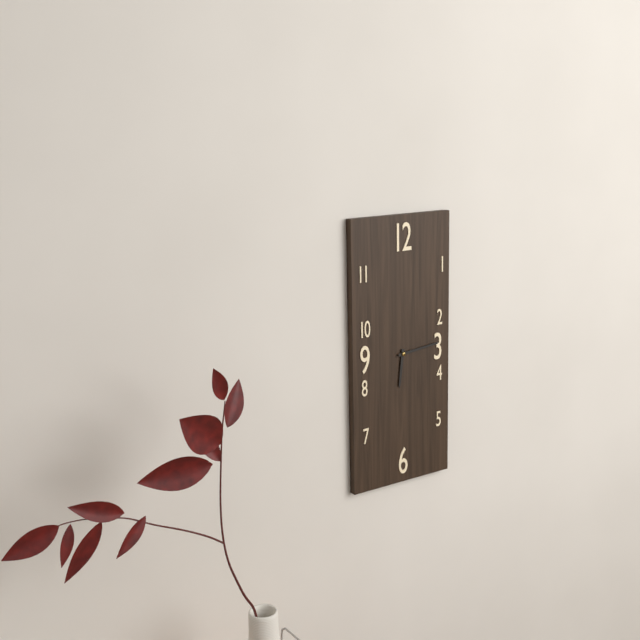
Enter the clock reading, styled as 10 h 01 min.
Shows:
6 h 14 min
